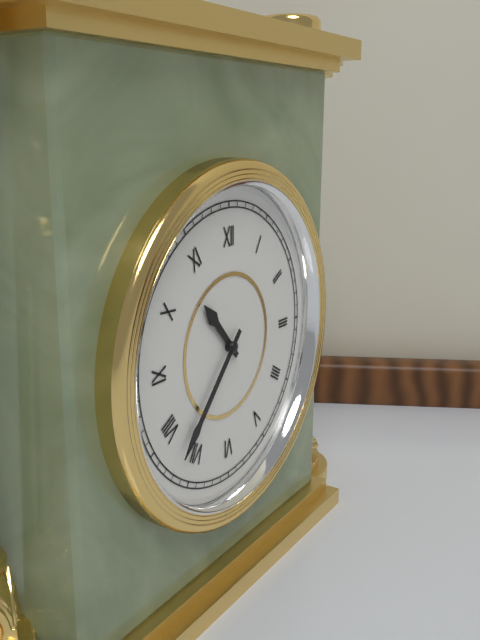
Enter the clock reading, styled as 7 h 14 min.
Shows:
10 h 37 min
